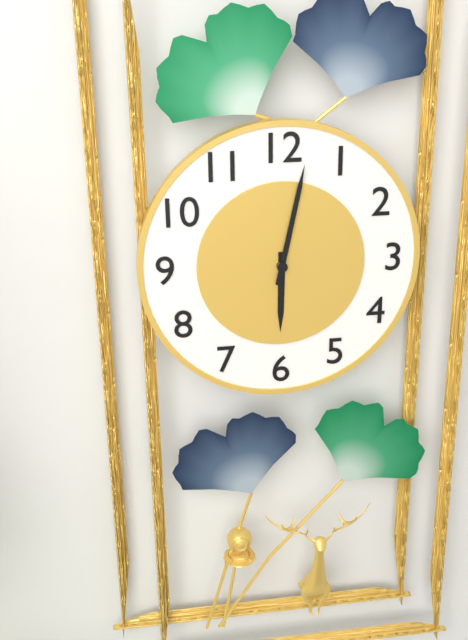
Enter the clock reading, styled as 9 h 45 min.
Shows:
6 h 02 min
